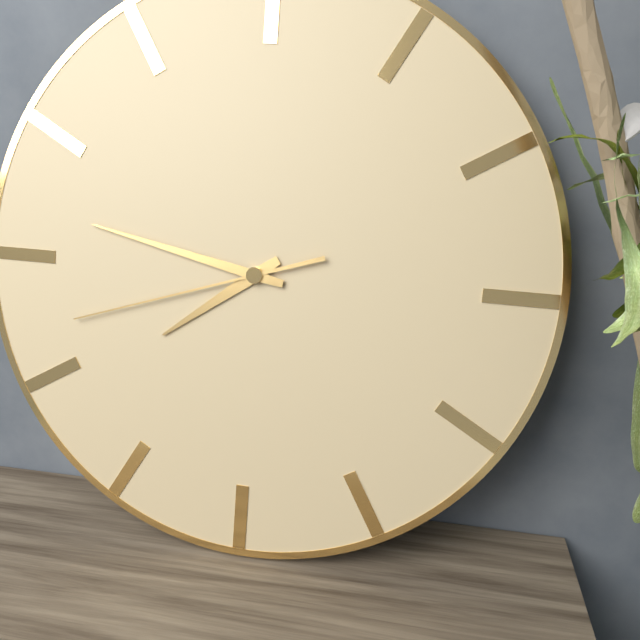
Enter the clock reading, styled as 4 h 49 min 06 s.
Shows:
7 h 47 min 42 s
